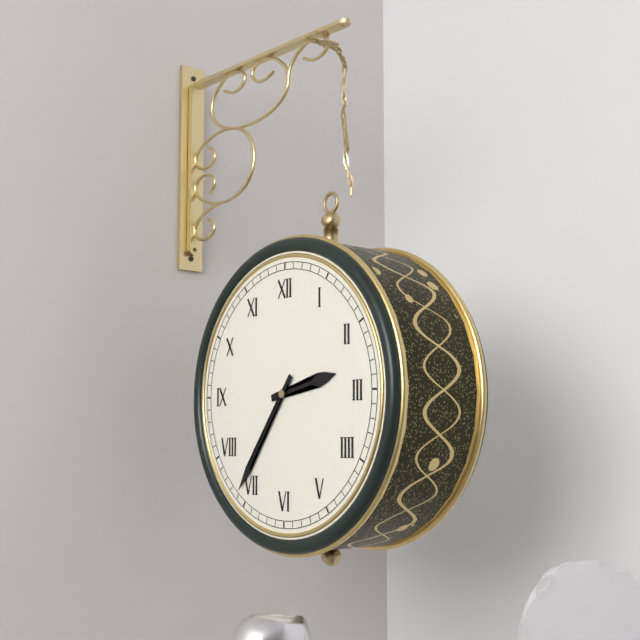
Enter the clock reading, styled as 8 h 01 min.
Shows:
2 h 36 min
